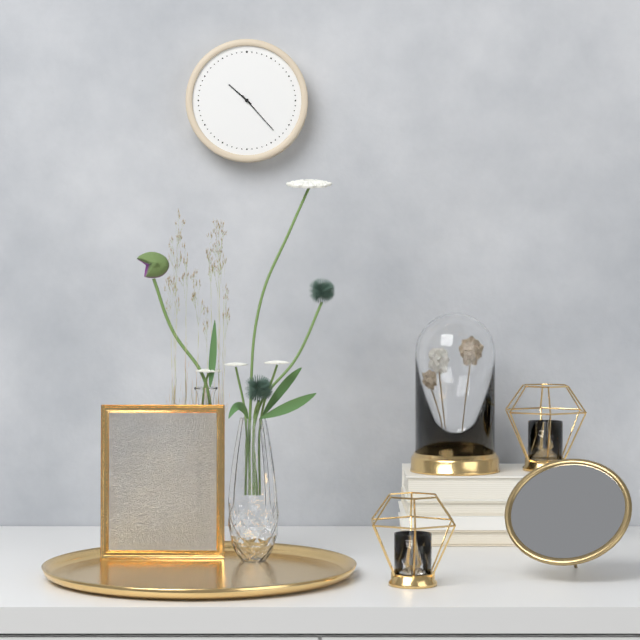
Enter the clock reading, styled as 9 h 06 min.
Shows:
10 h 23 min
